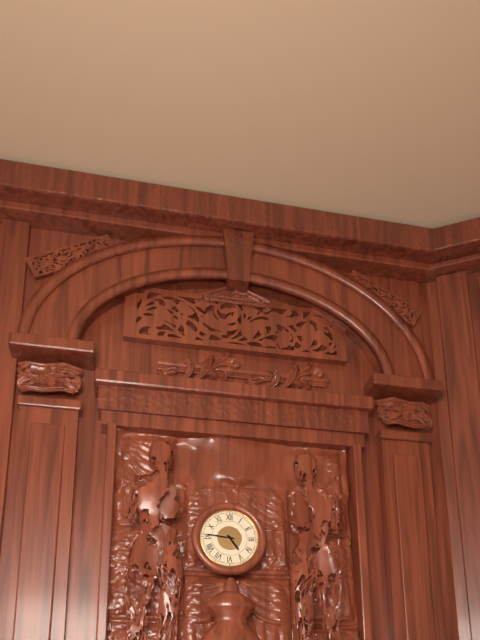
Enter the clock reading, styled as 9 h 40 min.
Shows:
4 h 46 min
